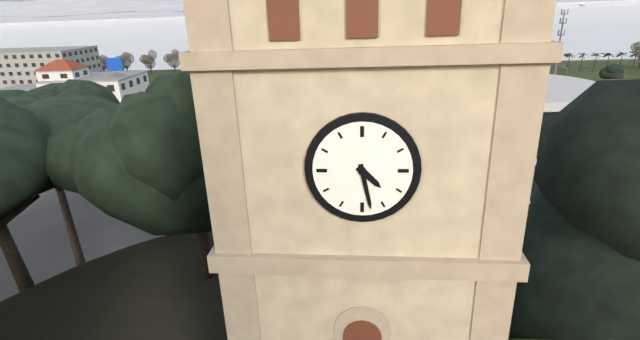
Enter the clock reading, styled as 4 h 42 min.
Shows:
4 h 28 min
